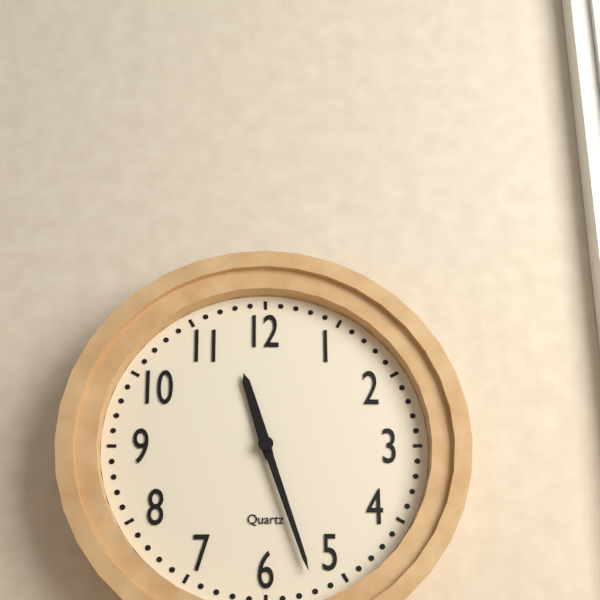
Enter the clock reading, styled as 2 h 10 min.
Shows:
11 h 27 min
